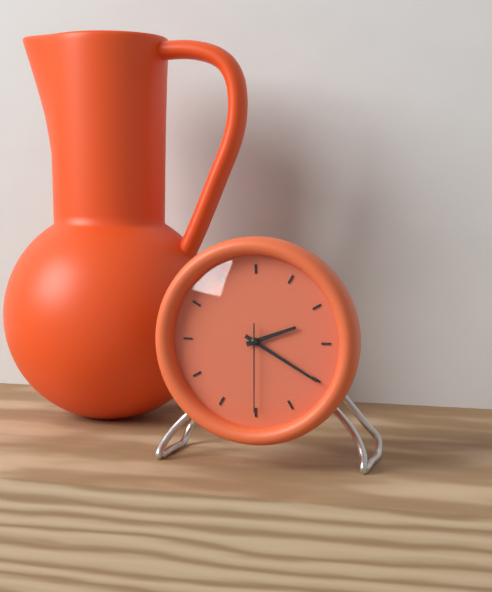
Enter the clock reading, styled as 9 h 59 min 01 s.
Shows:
2 h 20 min 30 s
